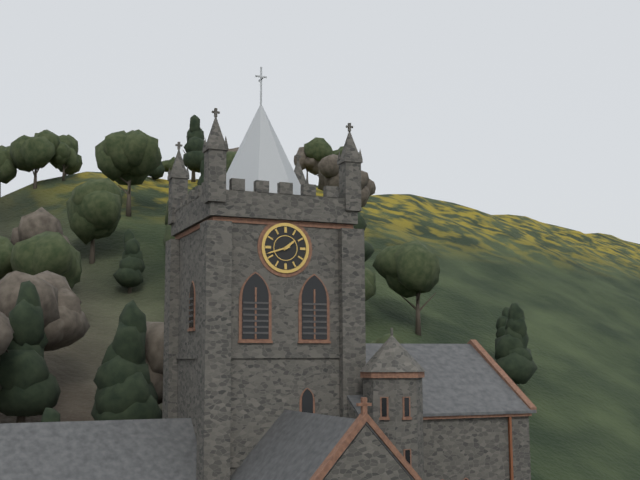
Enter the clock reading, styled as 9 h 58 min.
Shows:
1 h 42 min
